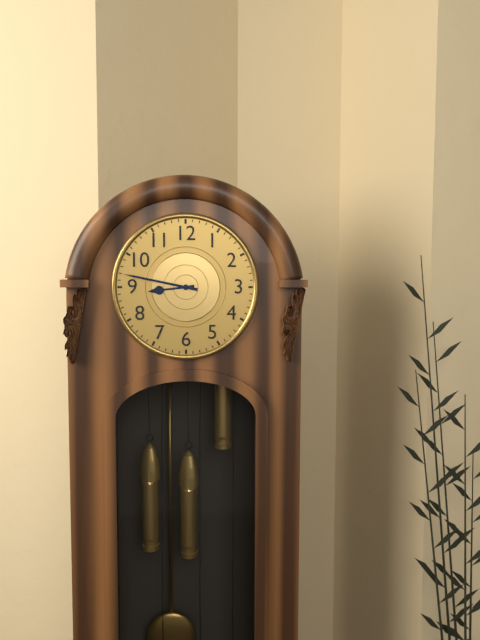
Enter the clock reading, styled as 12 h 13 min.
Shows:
8 h 47 min
